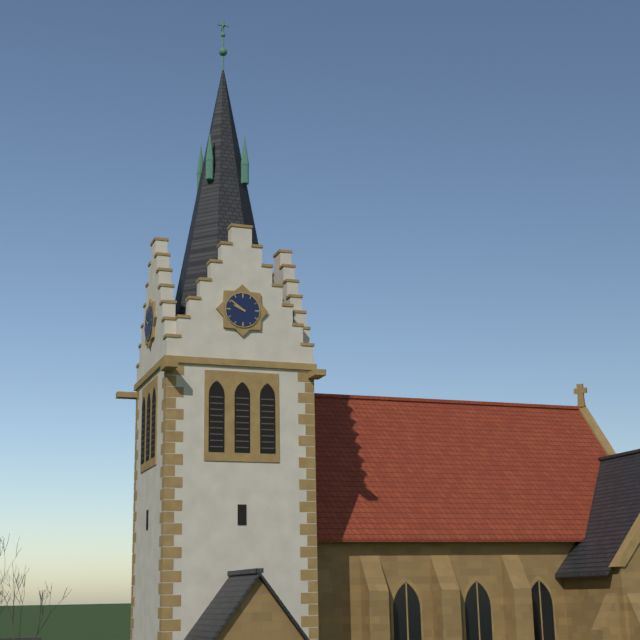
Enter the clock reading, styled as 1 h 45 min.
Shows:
9 h 51 min
